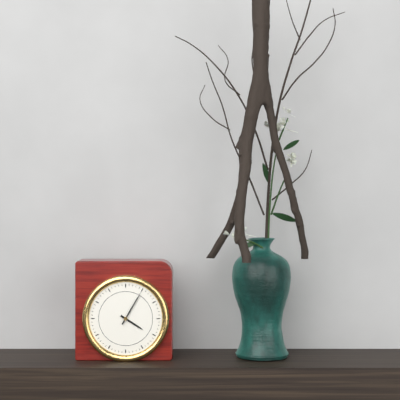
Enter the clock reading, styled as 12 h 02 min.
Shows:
4 h 05 min
